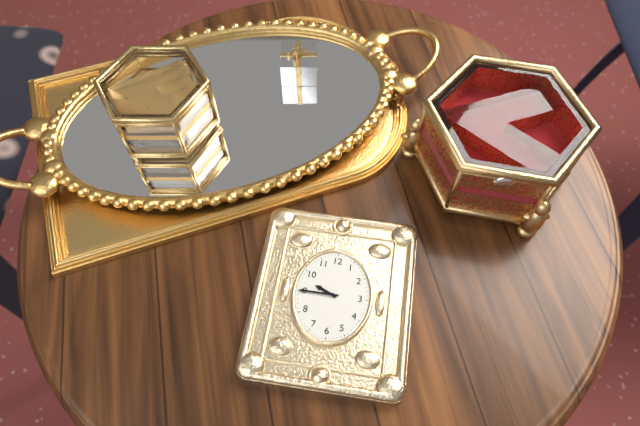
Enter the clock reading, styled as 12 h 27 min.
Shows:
9 h 45 min
